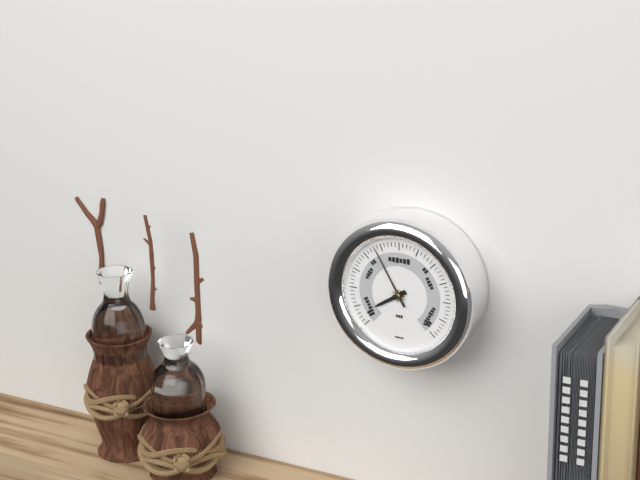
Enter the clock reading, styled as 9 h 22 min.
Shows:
7 h 55 min
